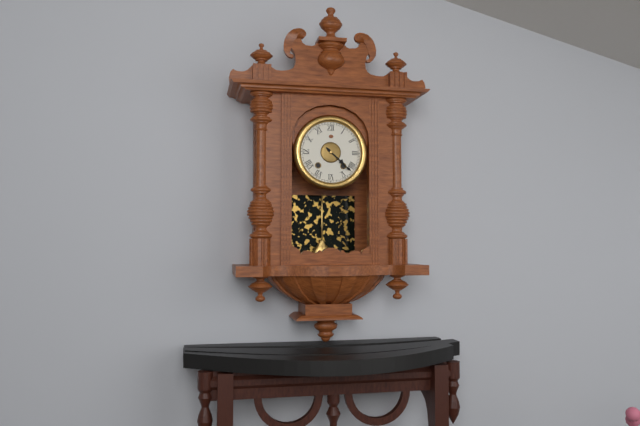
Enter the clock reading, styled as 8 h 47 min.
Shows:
4 h 22 min
